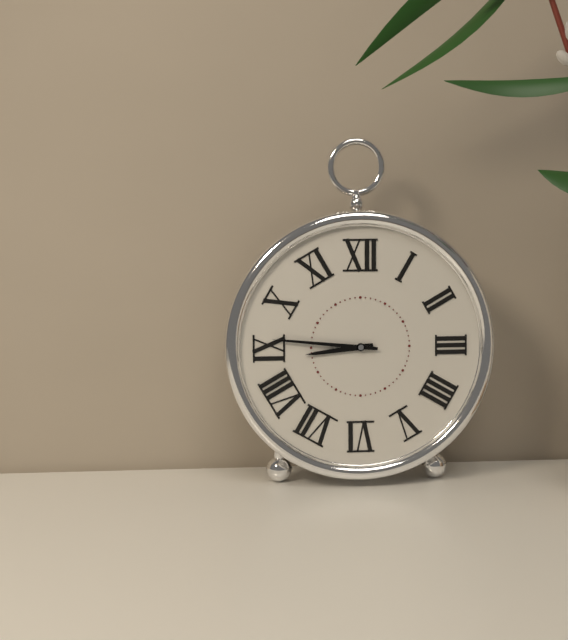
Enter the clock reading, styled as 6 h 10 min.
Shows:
8 h 46 min
